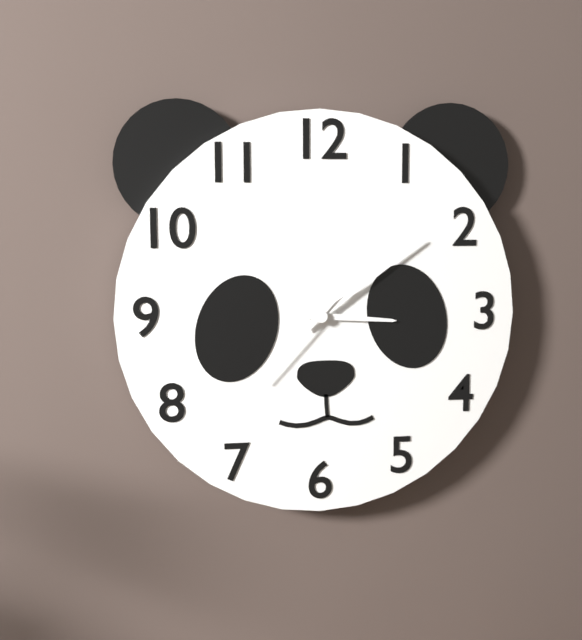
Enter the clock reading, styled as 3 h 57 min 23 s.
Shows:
3 h 09 min 37 s
